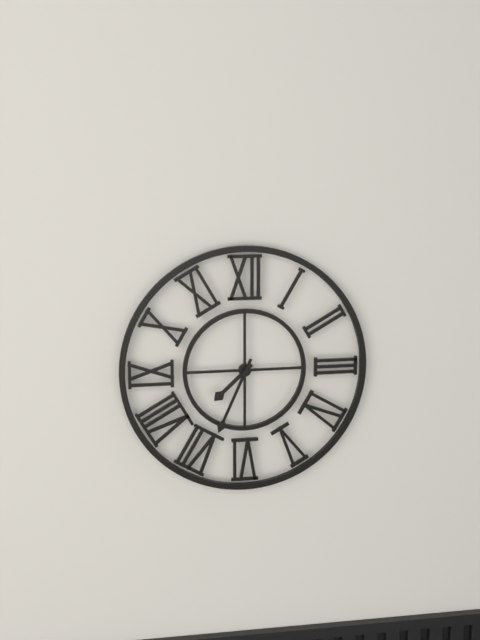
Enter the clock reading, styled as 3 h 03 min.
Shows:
7 h 34 min
